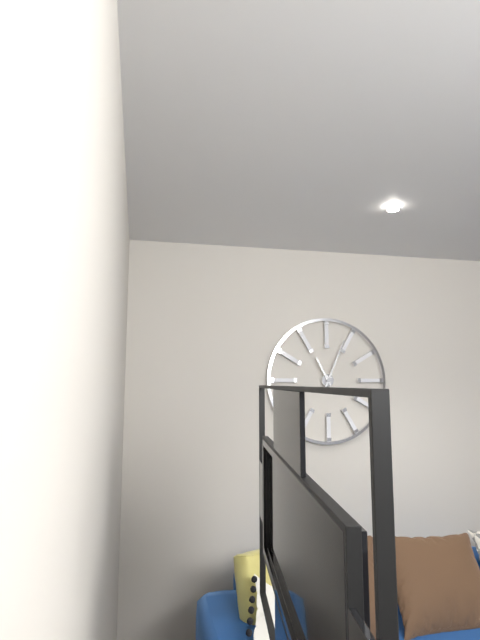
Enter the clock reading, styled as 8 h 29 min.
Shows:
11 h 04 min
